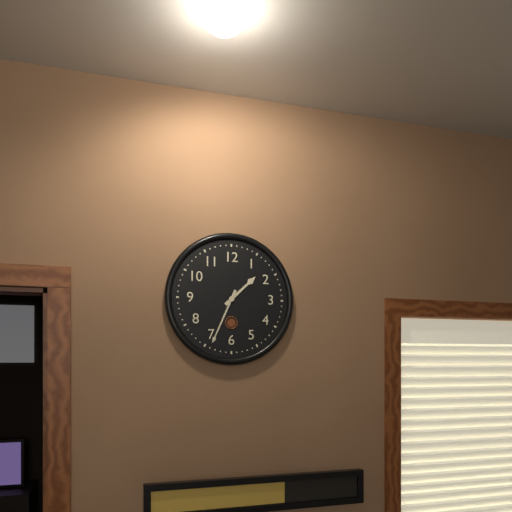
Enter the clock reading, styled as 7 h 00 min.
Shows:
1 h 34 min
